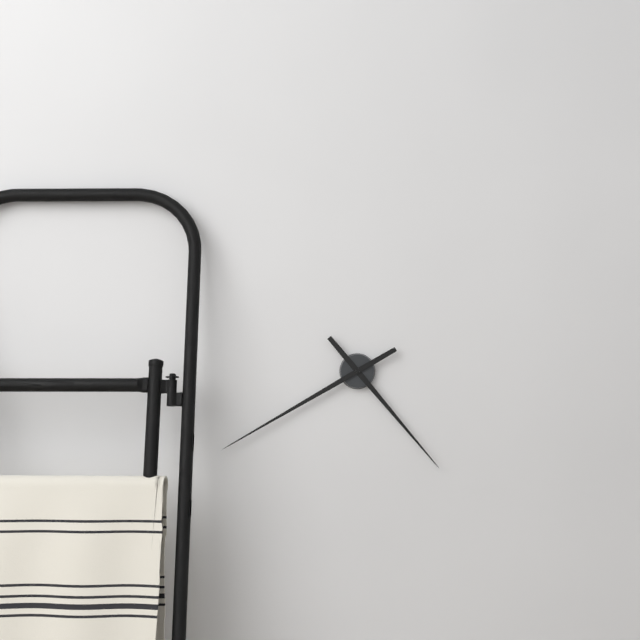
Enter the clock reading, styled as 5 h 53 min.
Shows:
4 h 40 min
